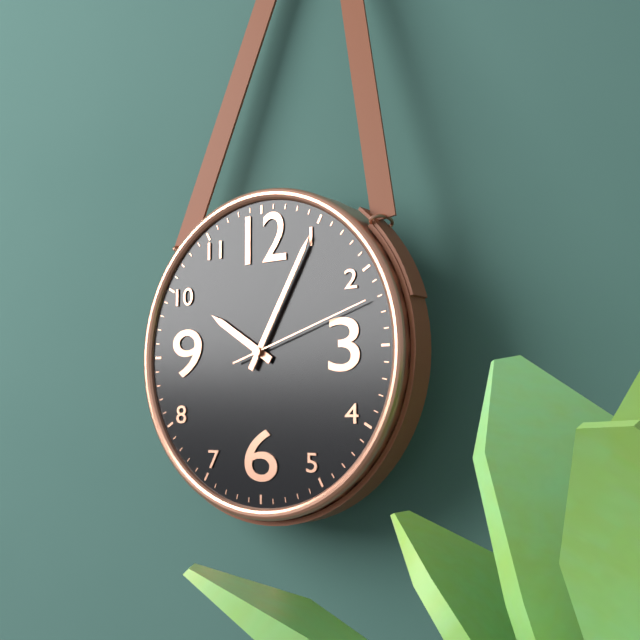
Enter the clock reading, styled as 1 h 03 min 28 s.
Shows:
10 h 05 min 12 s
